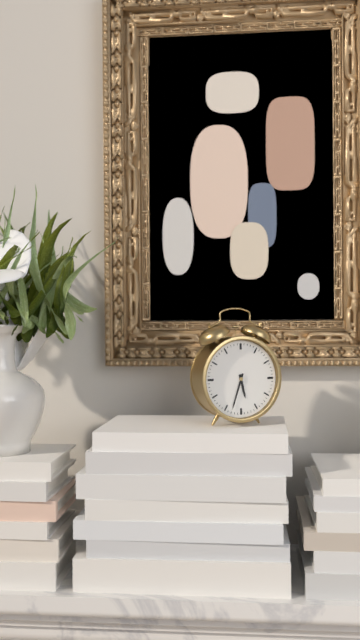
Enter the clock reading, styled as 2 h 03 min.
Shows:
5 h 33 min
